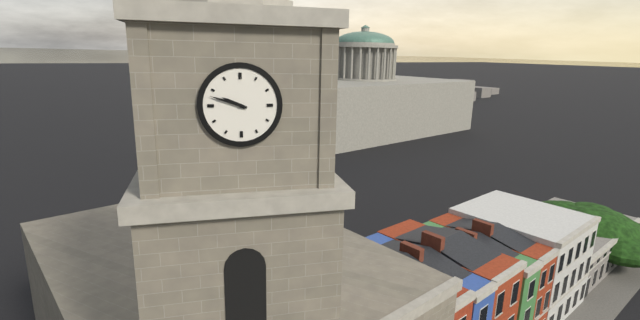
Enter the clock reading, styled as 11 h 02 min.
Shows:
9 h 48 min
